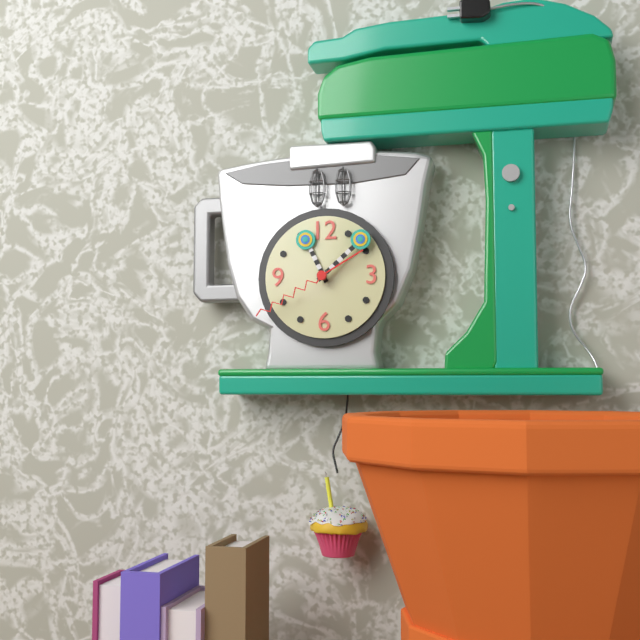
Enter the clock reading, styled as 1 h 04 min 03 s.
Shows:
11 h 08 min 40 s
